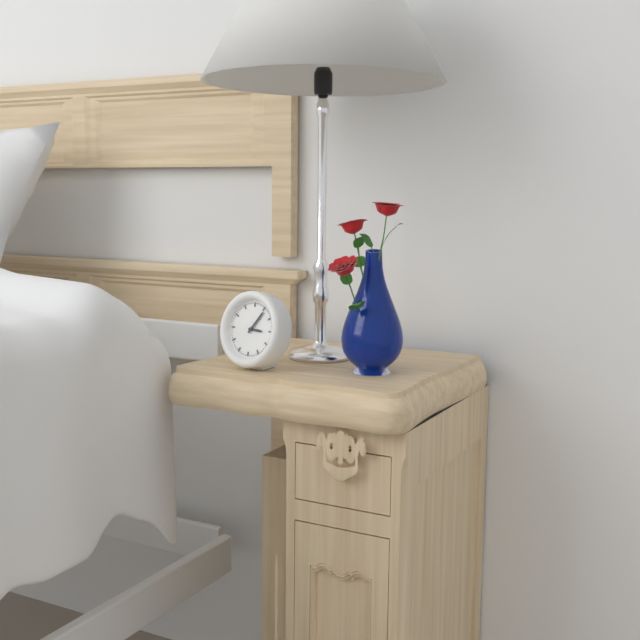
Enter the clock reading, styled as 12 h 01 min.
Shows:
3 h 06 min
